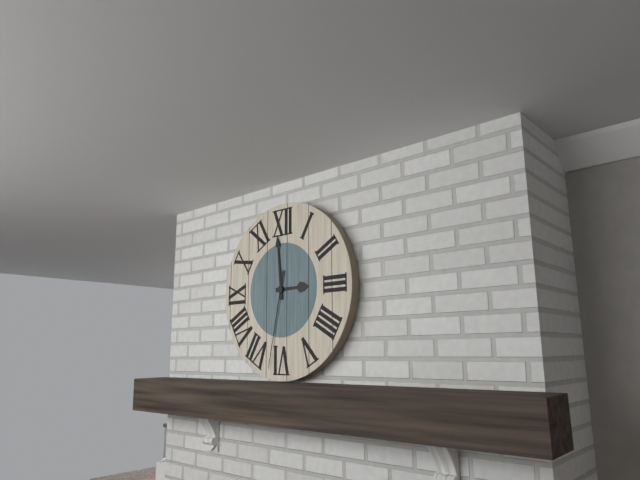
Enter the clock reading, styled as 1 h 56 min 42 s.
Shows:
2 h 59 min 32 s
